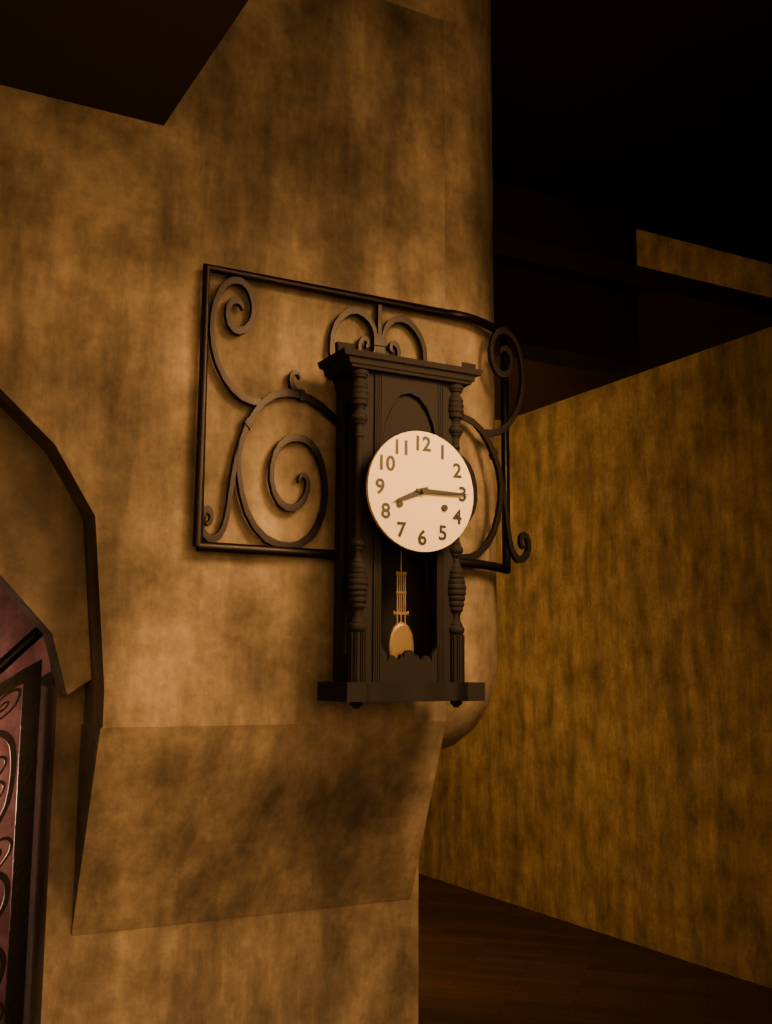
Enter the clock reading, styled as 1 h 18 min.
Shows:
8 h 15 min
